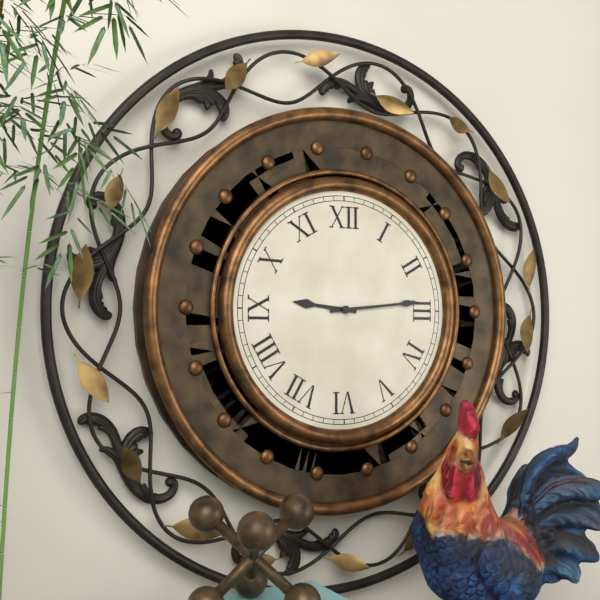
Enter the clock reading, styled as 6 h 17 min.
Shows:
9 h 14 min
